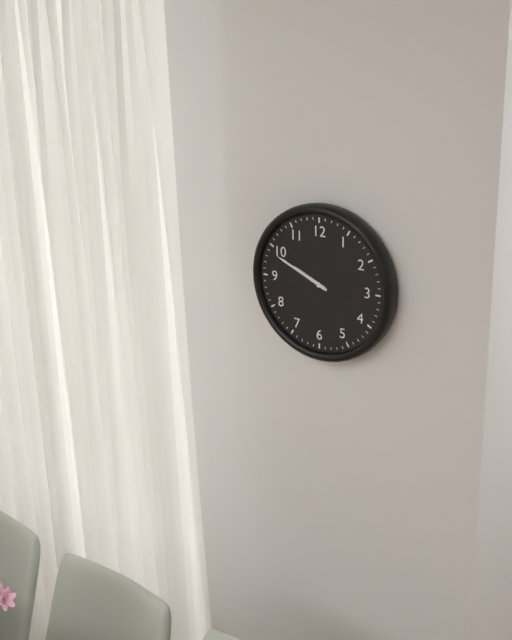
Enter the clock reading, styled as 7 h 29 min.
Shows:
9 h 49 min
